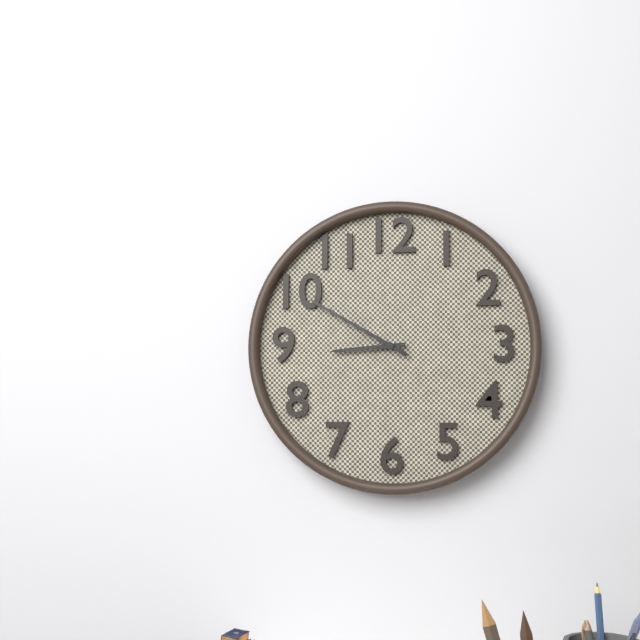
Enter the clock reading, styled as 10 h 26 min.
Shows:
8 h 50 min
